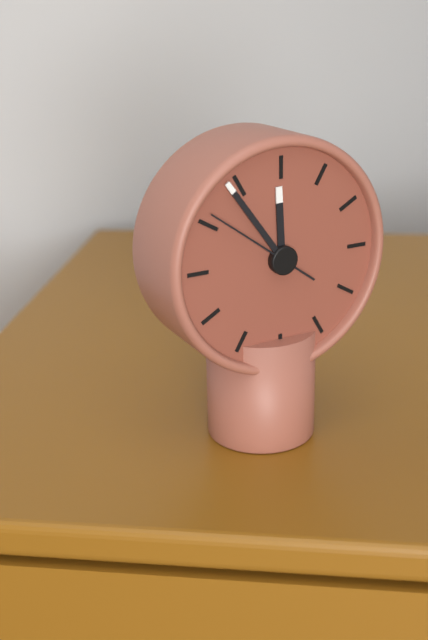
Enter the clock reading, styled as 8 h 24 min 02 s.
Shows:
11 h 54 min 51 s
